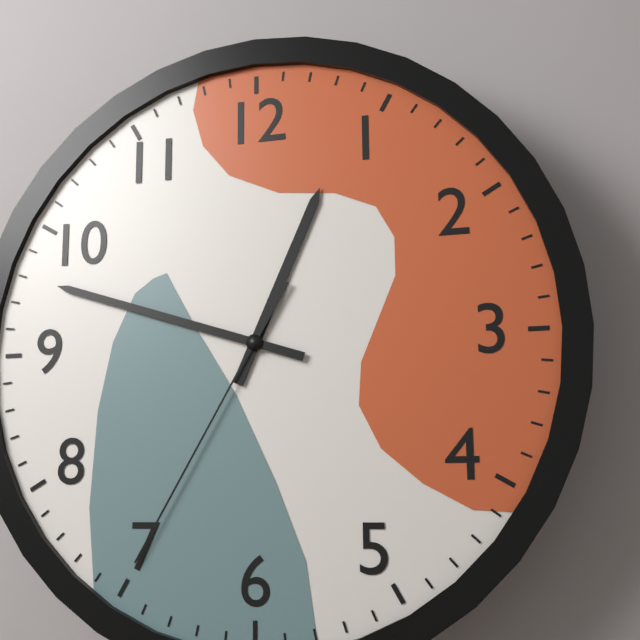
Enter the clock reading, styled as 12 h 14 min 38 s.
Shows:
12 h 48 min 35 s
